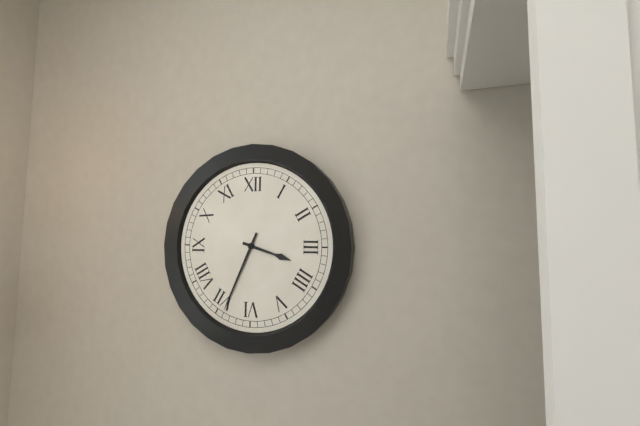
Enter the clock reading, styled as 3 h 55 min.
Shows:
3 h 34 min
